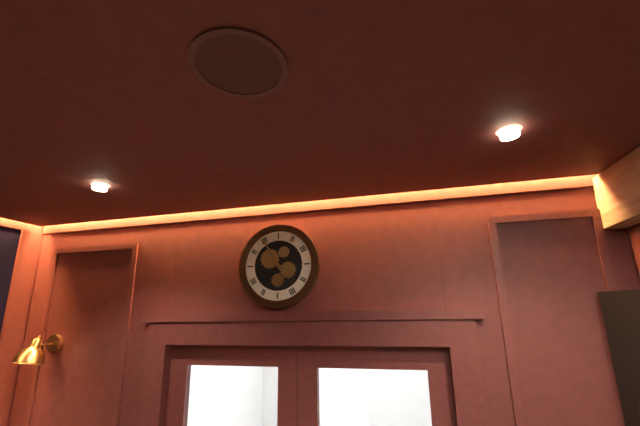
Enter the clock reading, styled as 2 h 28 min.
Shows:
3 h 55 min
